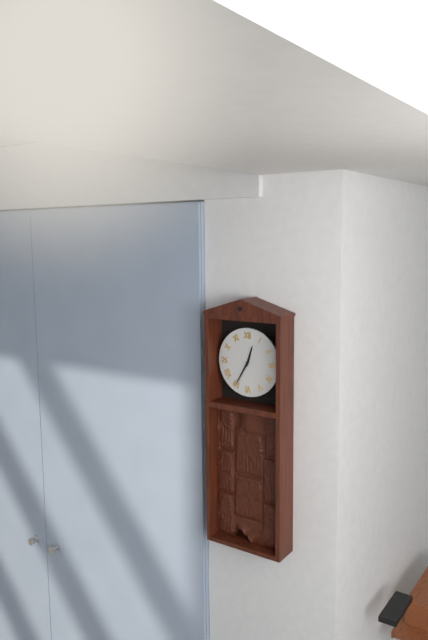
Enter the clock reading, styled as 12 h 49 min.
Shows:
12 h 35 min
